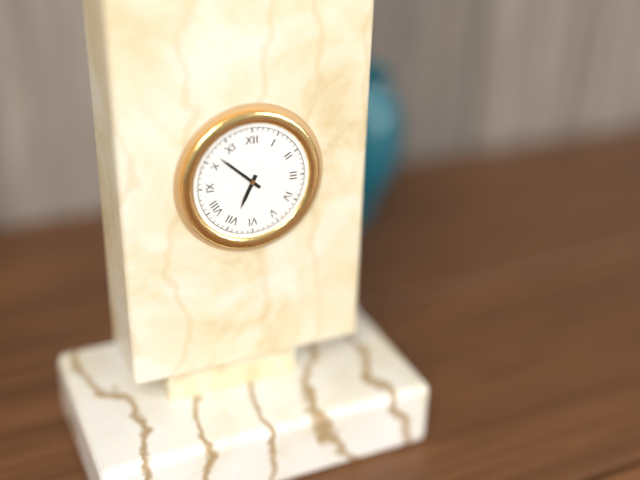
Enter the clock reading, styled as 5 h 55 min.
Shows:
6 h 52 min
